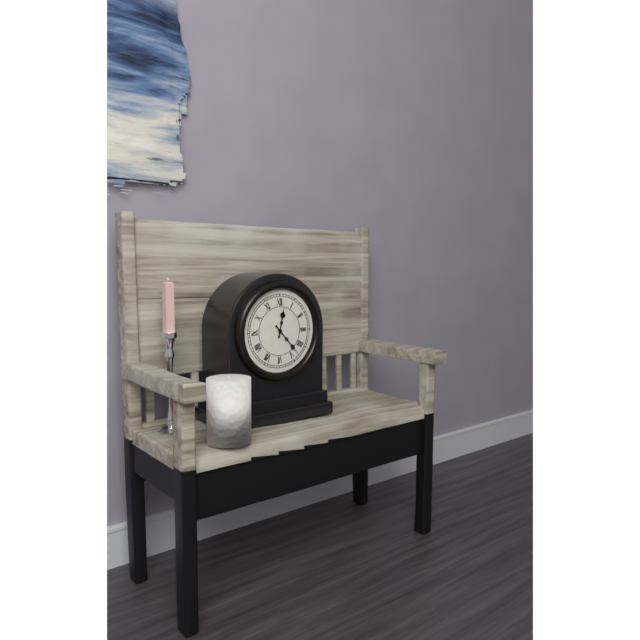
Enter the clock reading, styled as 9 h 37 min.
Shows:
12 h 23 min
